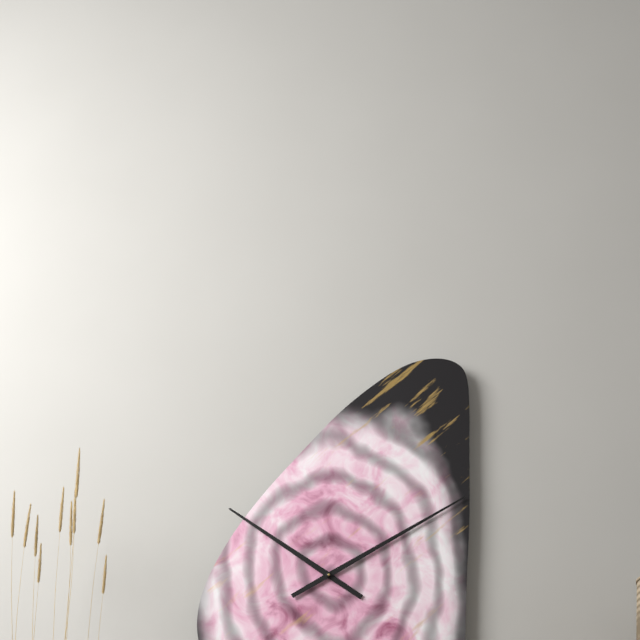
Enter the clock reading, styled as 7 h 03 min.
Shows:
10 h 10 min
